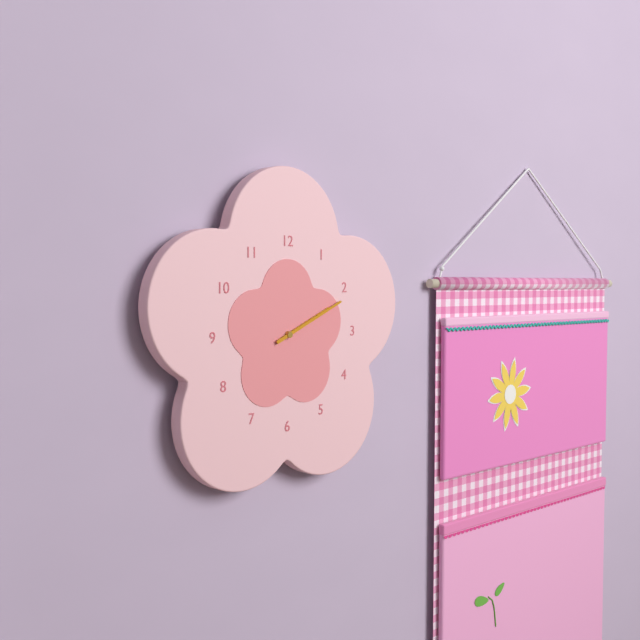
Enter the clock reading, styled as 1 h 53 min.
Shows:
2 h 11 min
